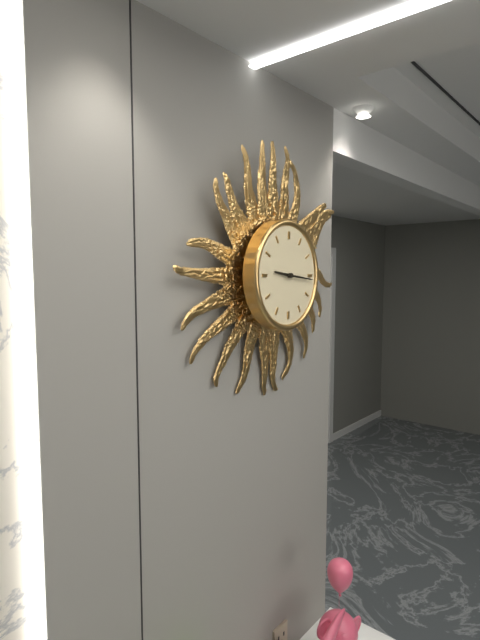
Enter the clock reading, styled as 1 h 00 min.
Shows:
9 h 16 min
